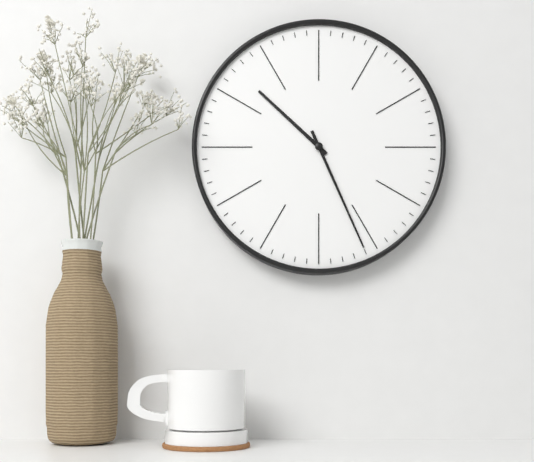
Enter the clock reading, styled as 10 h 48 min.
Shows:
10 h 26 min
